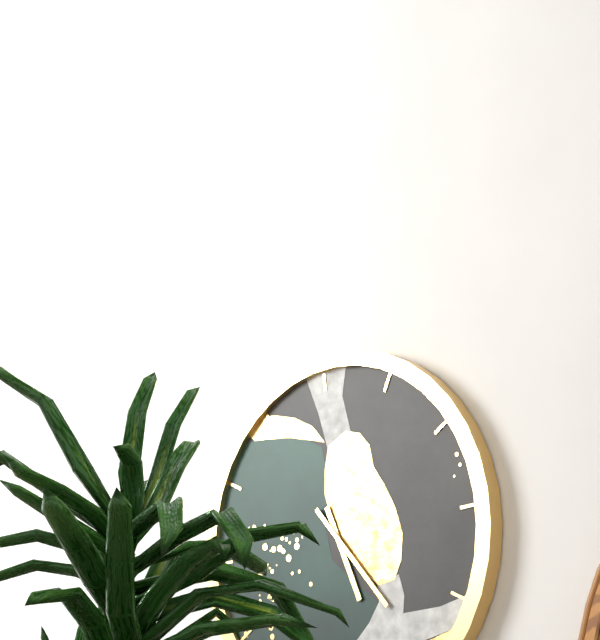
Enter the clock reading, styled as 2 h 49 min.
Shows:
5 h 24 min
